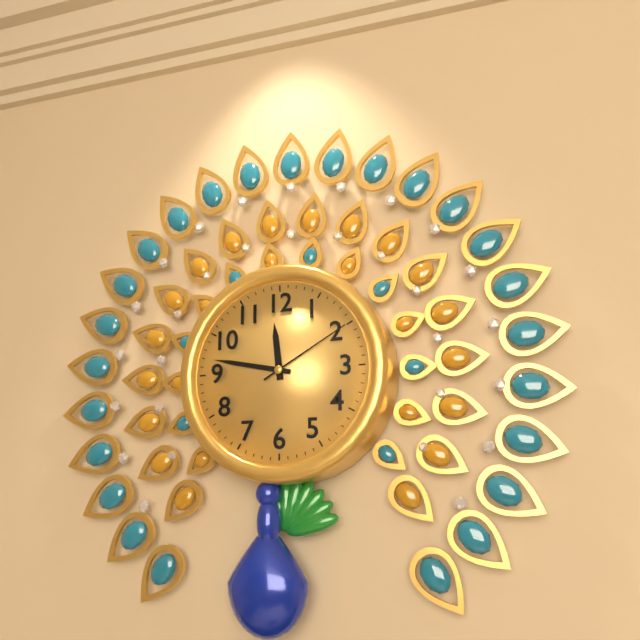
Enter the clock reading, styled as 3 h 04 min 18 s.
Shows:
11 h 47 min 10 s
